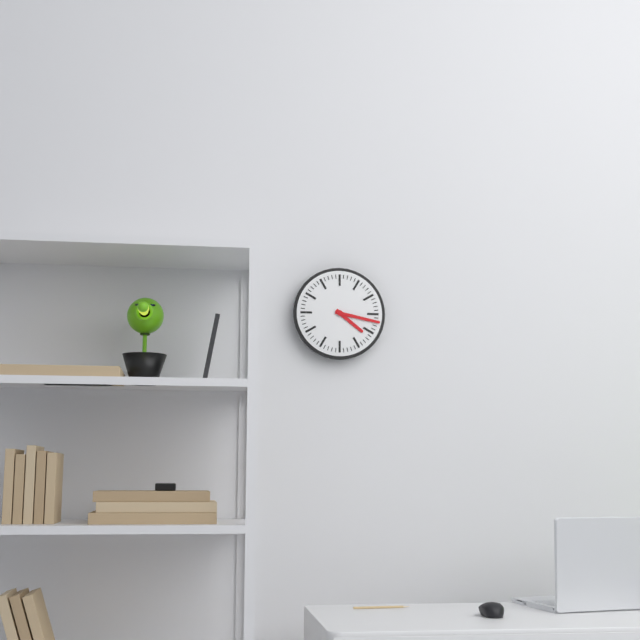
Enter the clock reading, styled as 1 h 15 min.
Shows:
4 h 17 min
